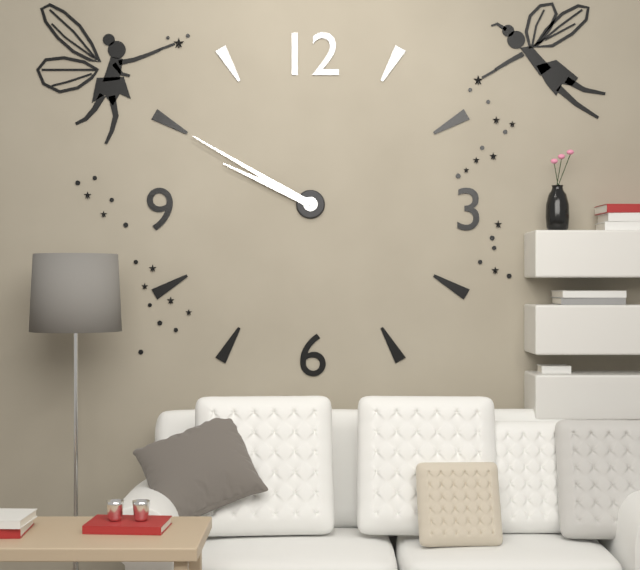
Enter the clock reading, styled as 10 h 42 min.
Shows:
9 h 50 min
